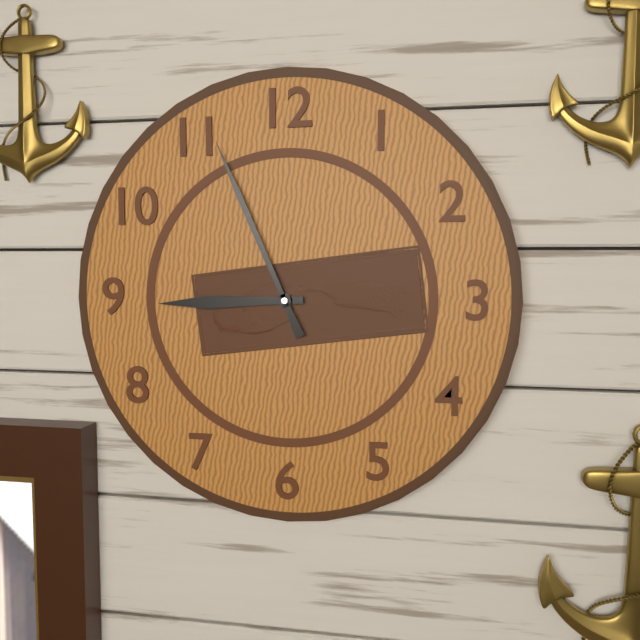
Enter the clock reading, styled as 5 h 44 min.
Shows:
8 h 56 min
